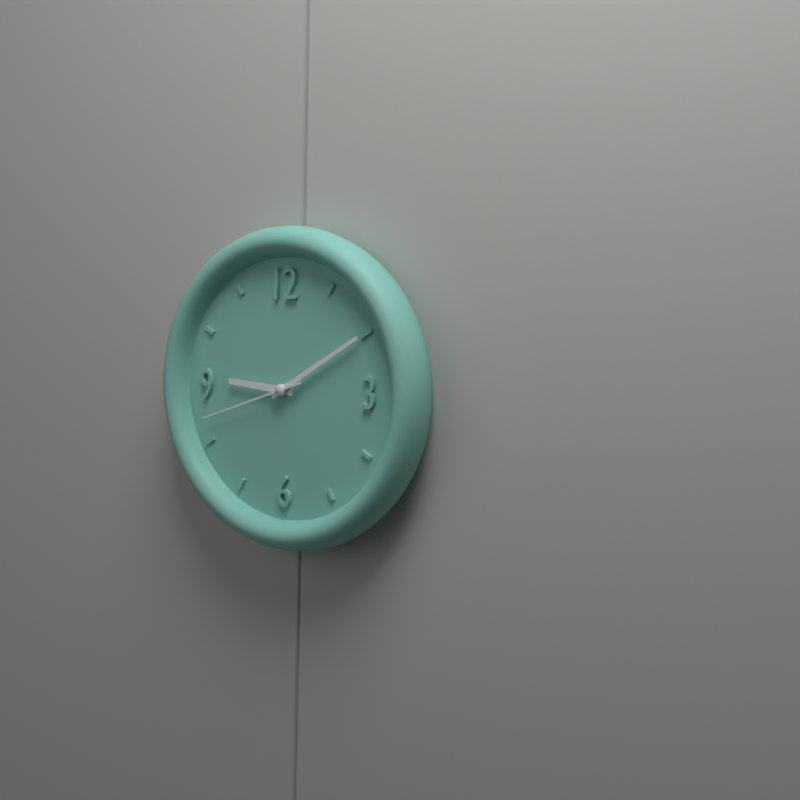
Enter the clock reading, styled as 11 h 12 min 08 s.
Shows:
9 h 10 min 42 s
